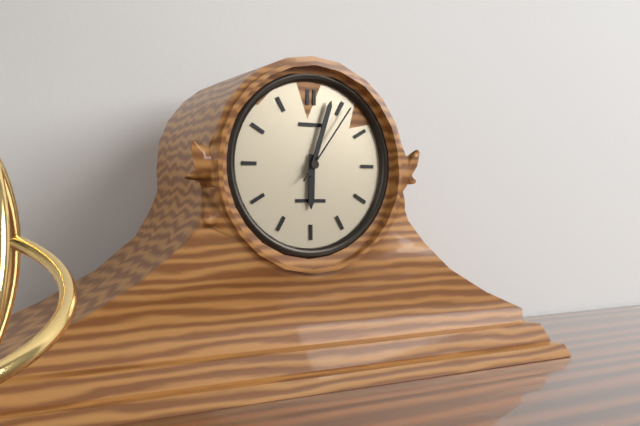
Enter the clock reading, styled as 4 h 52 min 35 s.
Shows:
6 h 03 min 06 s
